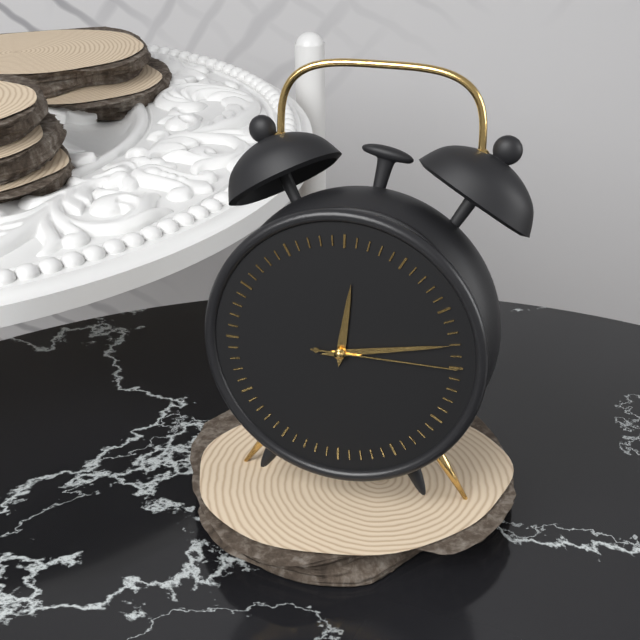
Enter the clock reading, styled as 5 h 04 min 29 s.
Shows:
12 h 13 min 15 s
